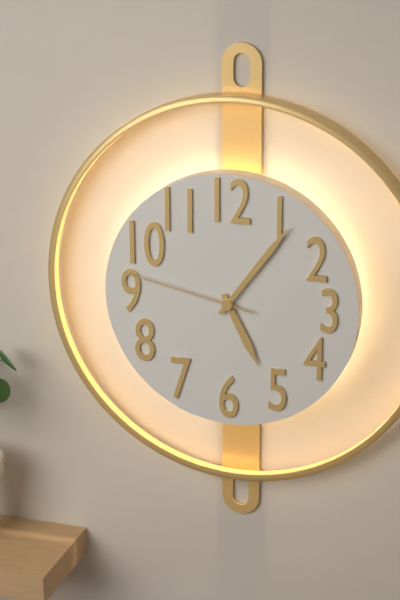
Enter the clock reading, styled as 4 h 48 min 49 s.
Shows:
5 h 06 min 47 s
